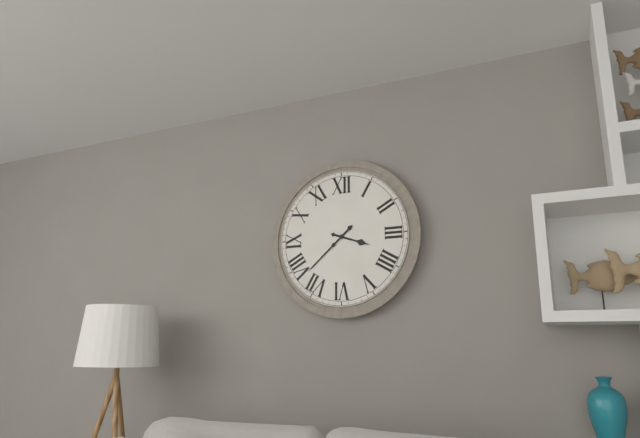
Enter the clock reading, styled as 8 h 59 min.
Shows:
3 h 38 min
